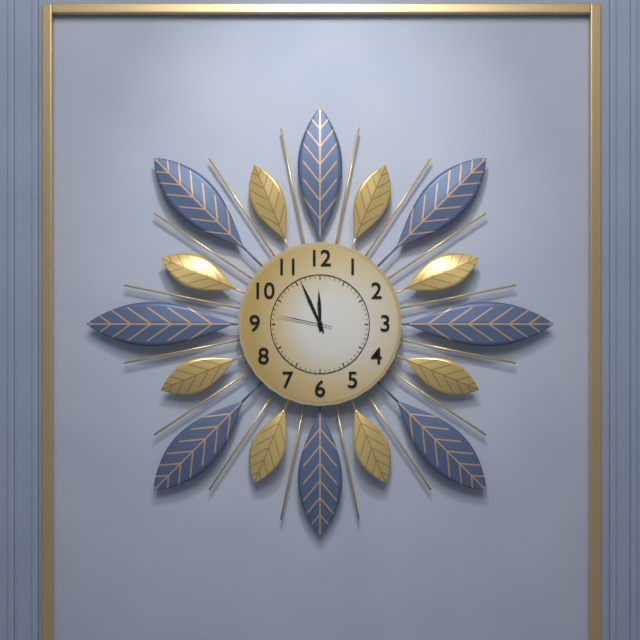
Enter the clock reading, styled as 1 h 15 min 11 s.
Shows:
11 h 56 min 47 s
